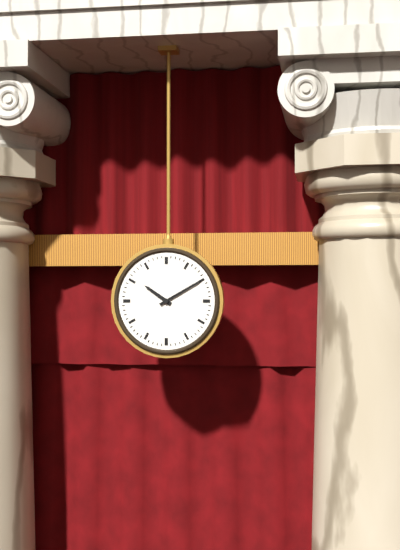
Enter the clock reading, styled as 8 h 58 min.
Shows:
10 h 10 min
